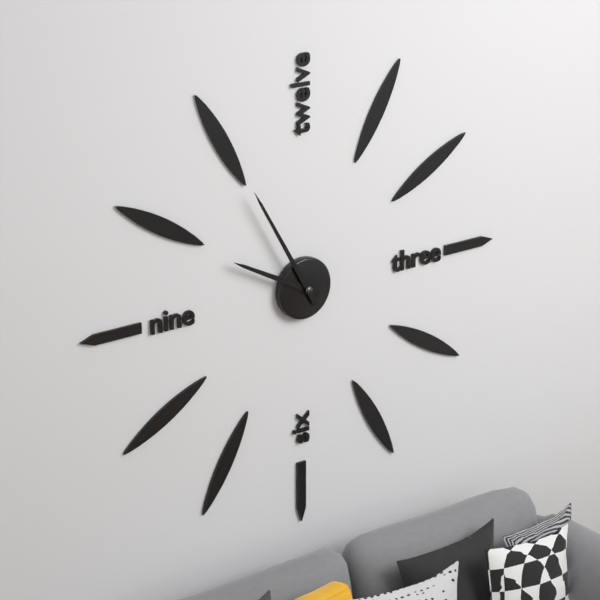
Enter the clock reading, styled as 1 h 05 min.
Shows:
9 h 55 min
